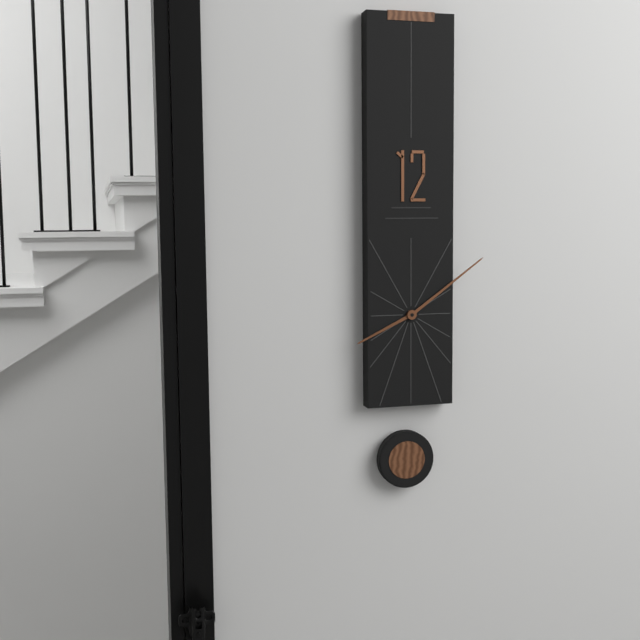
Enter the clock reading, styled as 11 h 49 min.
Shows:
8 h 09 min
